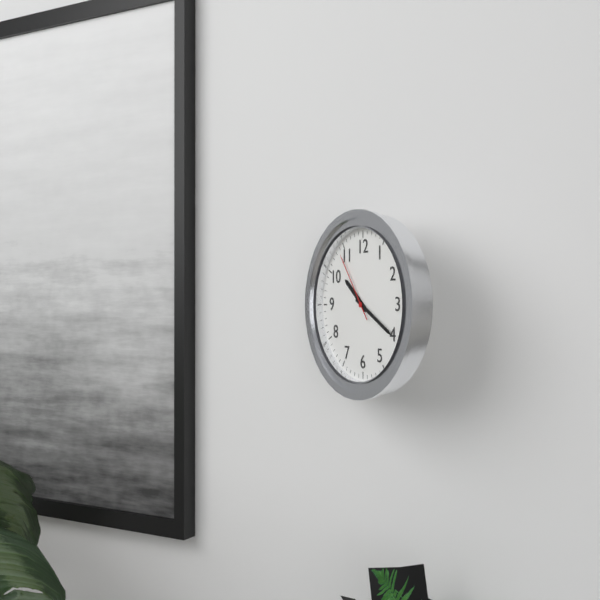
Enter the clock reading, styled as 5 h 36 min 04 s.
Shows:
10 h 20 min 54 s
